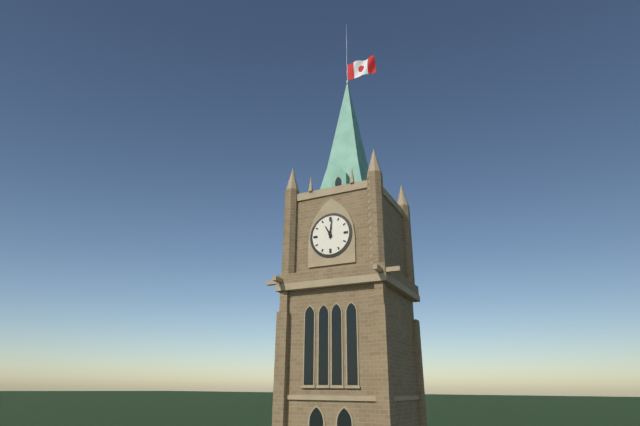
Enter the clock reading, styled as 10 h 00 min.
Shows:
11 h 01 min
